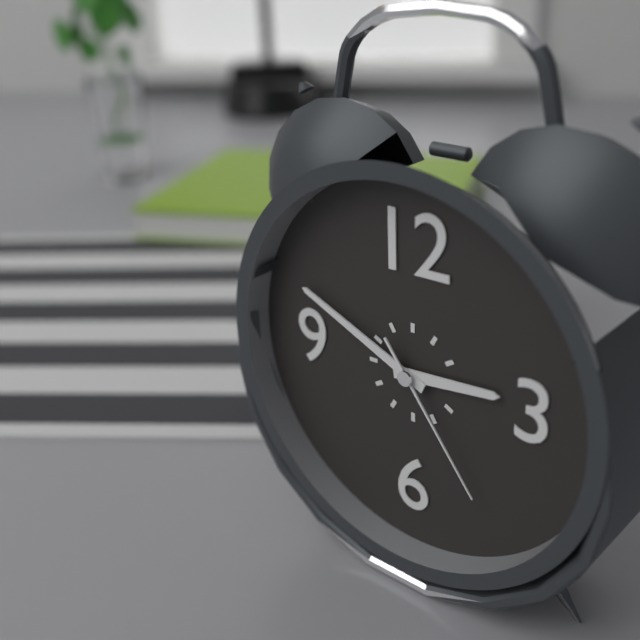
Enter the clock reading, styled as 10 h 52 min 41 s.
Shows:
2 h 49 min 24 s
